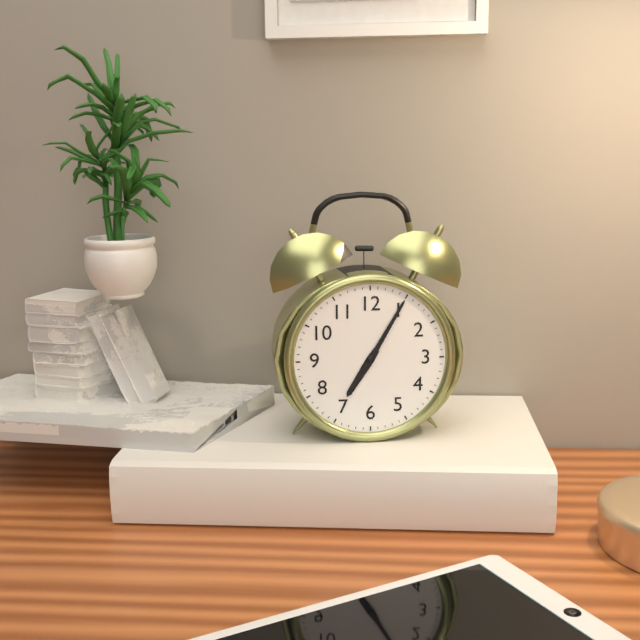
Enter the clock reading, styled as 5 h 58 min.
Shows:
7 h 05 min
